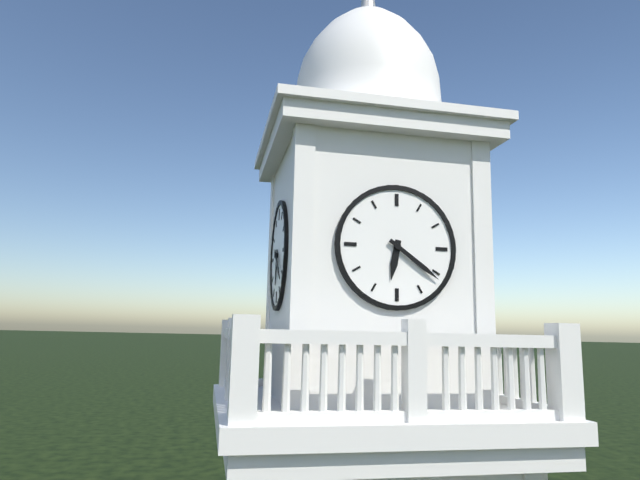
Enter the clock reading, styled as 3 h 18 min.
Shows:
6 h 21 min
